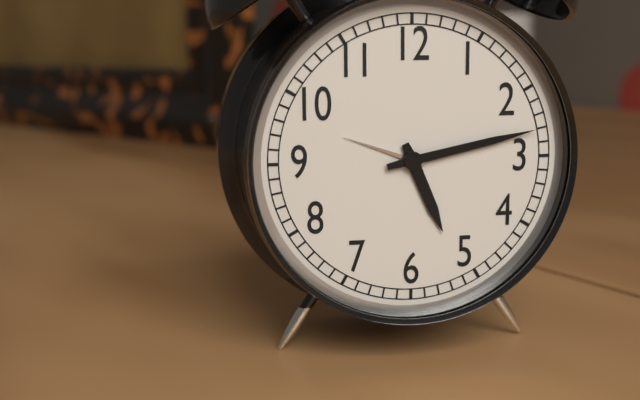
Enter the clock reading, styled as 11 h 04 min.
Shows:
5 h 13 min
